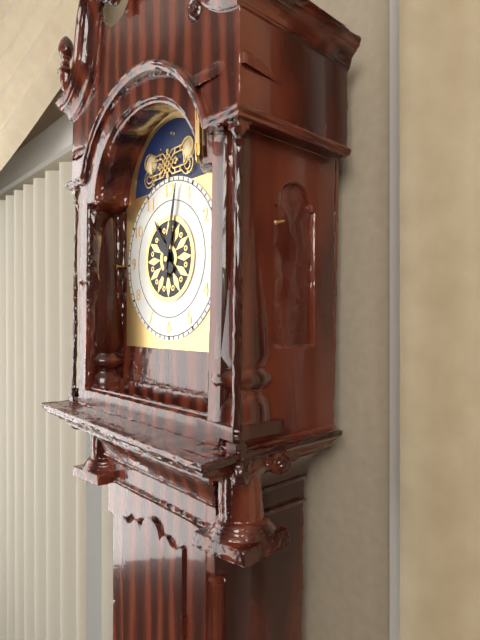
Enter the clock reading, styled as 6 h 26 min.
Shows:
11 h 02 min
